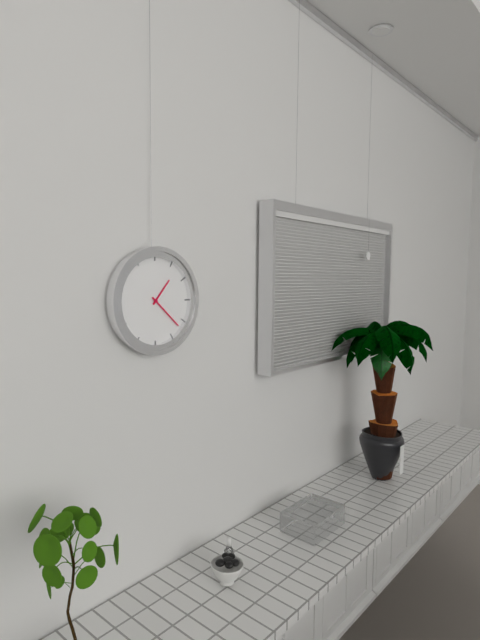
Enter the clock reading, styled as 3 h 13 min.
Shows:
1 h 22 min
